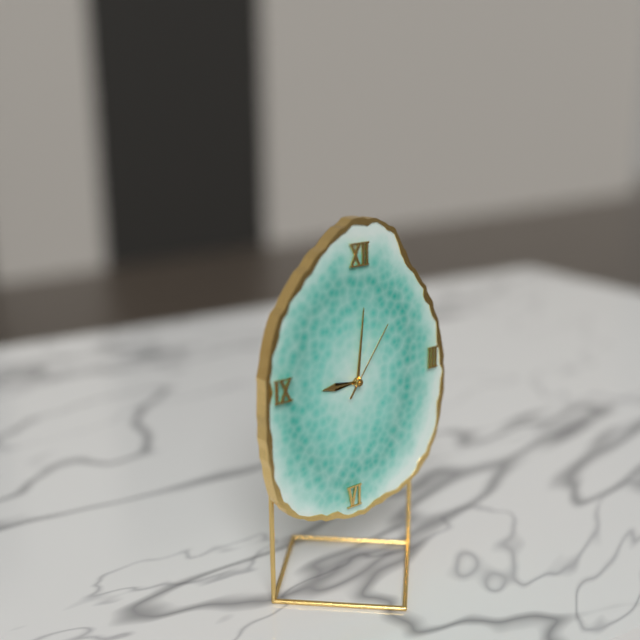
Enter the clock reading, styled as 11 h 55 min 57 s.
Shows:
9 h 01 min 06 s
